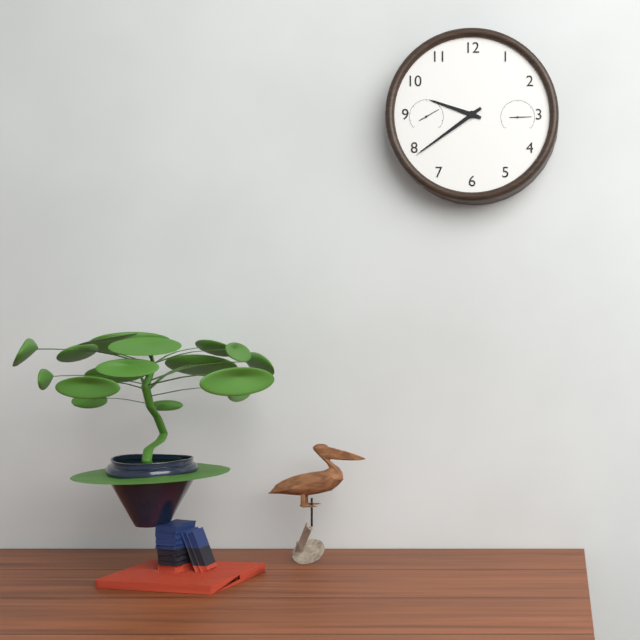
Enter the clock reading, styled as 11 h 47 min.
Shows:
9 h 39 min
